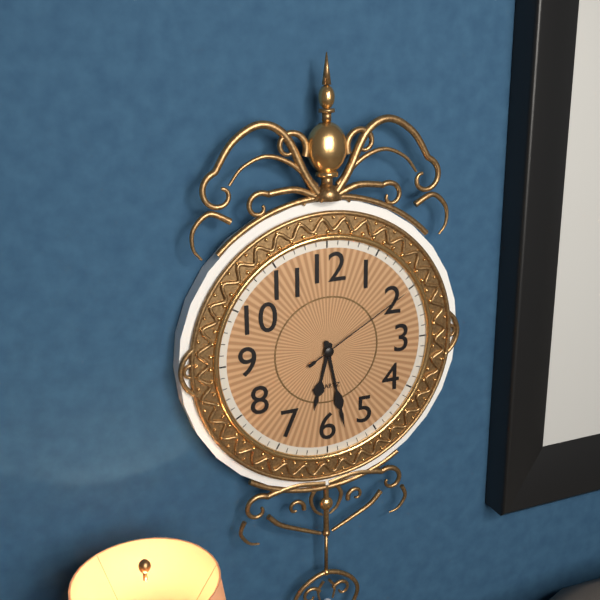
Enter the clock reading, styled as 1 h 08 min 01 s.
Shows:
6 h 28 min 10 s
